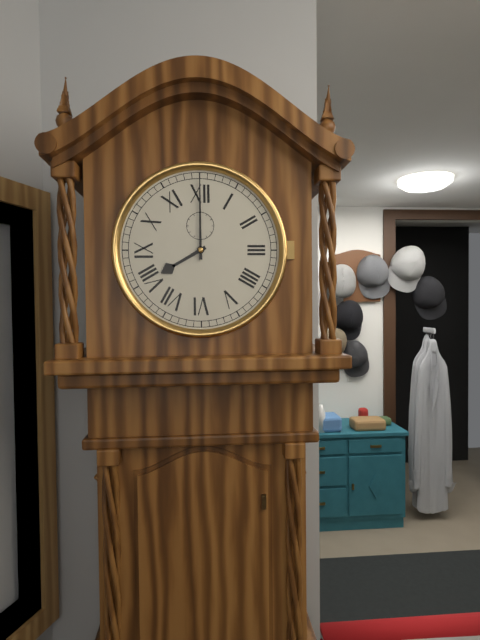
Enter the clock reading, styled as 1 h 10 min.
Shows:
8 h 00 min
